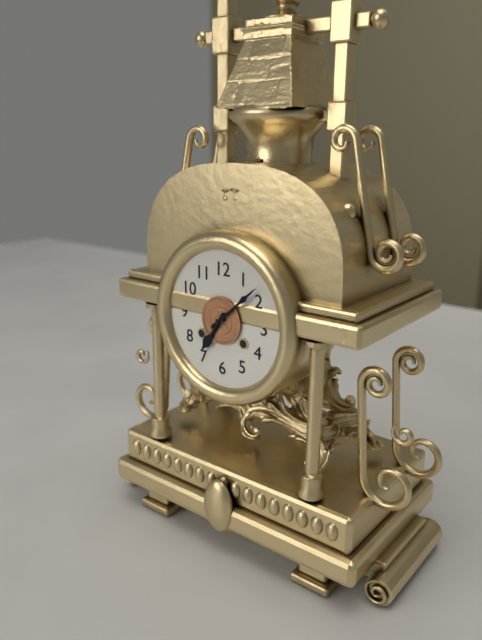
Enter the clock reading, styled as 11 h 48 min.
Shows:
7 h 08 min
